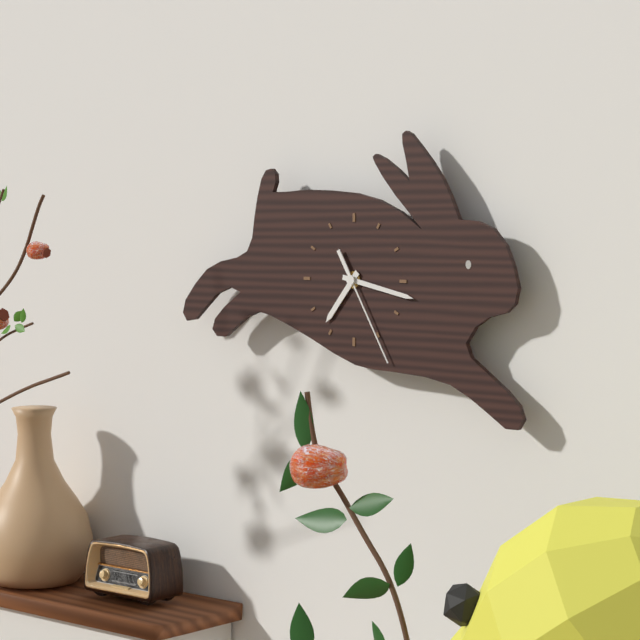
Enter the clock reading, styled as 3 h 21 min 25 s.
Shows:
7 h 17 min 25 s
